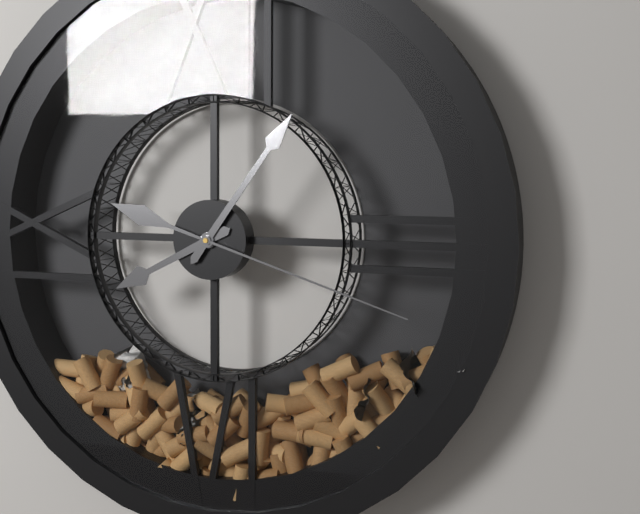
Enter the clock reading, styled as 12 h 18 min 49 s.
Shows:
8 h 06 min 18 s
